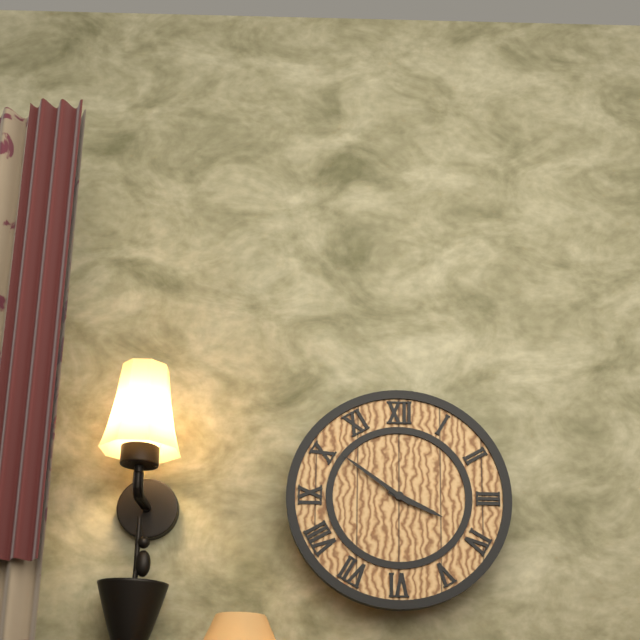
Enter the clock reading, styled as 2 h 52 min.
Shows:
3 h 51 min
